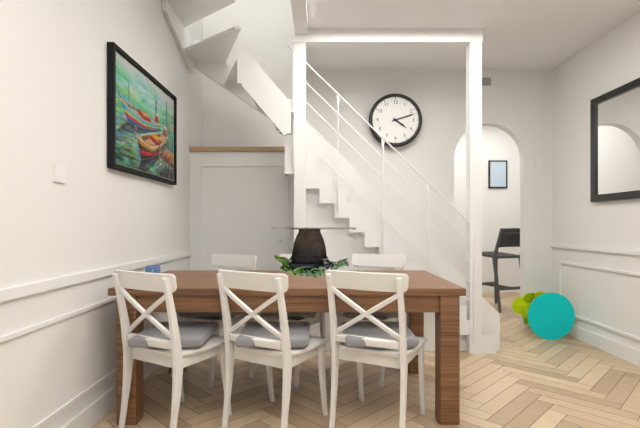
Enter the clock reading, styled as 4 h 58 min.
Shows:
4 h 12 min
